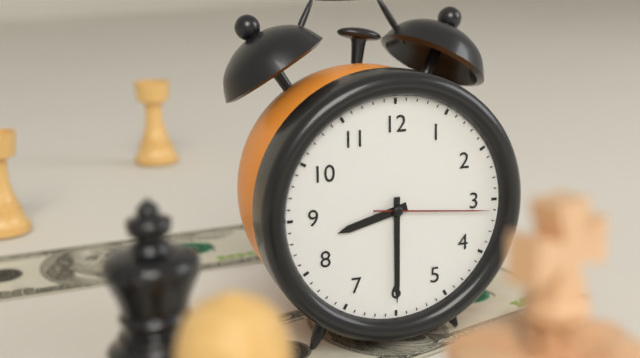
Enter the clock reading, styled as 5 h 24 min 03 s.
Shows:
8 h 30 min 16 s
